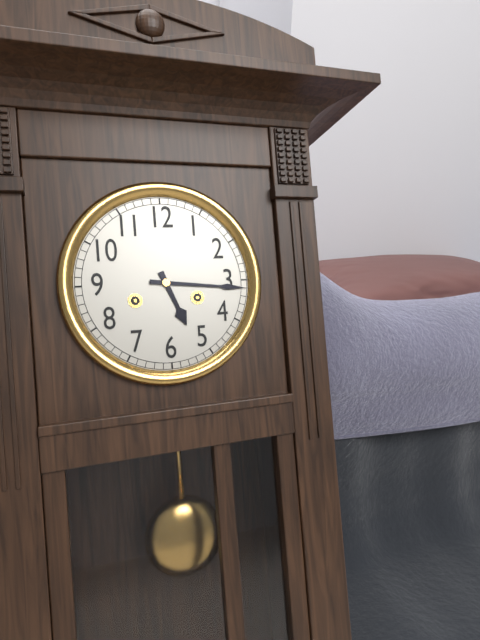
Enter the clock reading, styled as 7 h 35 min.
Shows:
5 h 16 min
